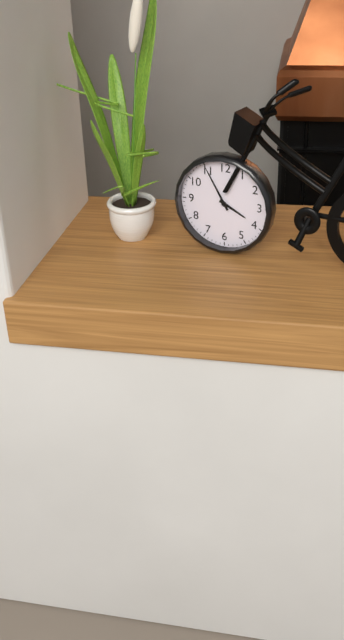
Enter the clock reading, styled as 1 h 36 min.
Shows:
3 h 55 min
